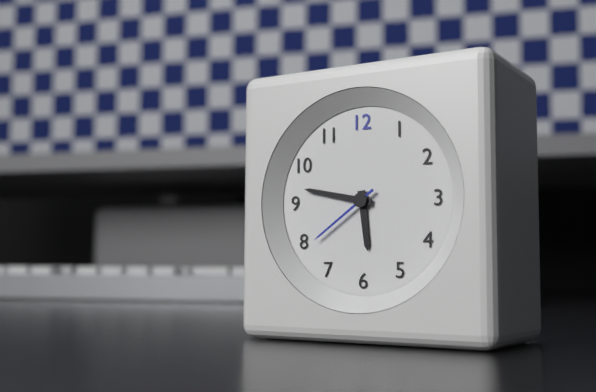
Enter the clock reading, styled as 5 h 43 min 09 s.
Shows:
5 h 47 min 39 s
